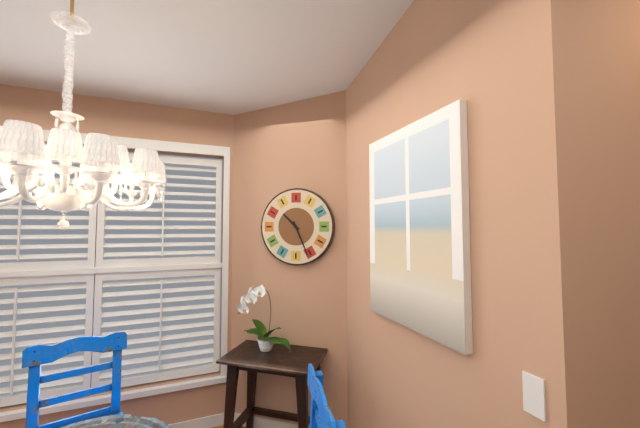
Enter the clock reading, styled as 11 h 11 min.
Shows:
10 h 26 min
